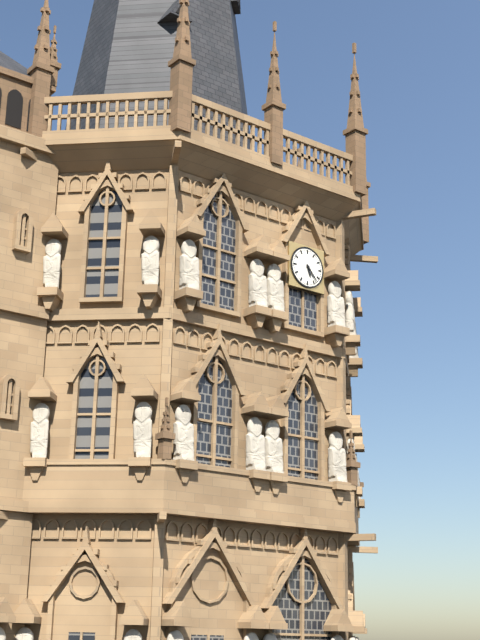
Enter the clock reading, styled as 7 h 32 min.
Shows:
5 h 23 min
